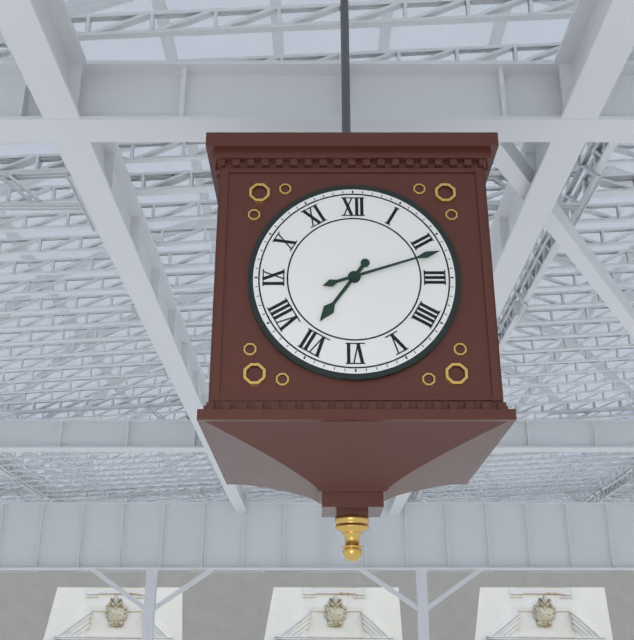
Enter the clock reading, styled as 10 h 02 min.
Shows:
7 h 12 min
